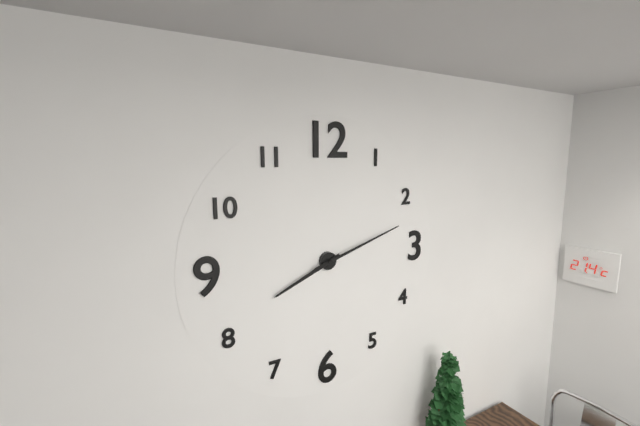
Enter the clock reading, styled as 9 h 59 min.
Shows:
8 h 12 min
